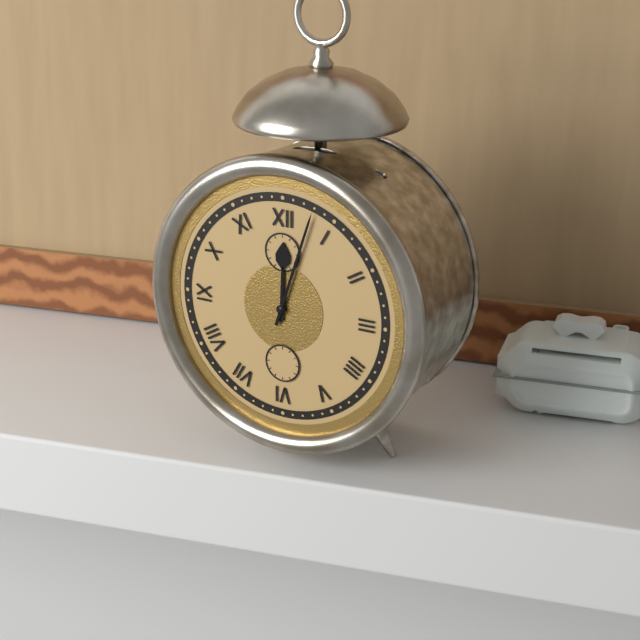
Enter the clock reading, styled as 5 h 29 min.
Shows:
12 h 03 min
